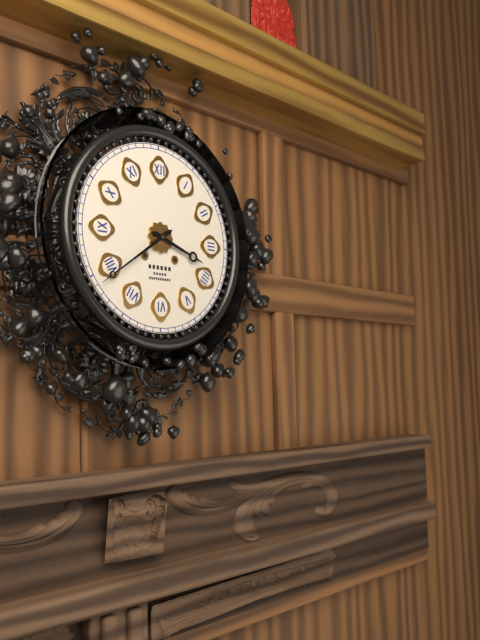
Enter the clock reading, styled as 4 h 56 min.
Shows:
3 h 39 min
